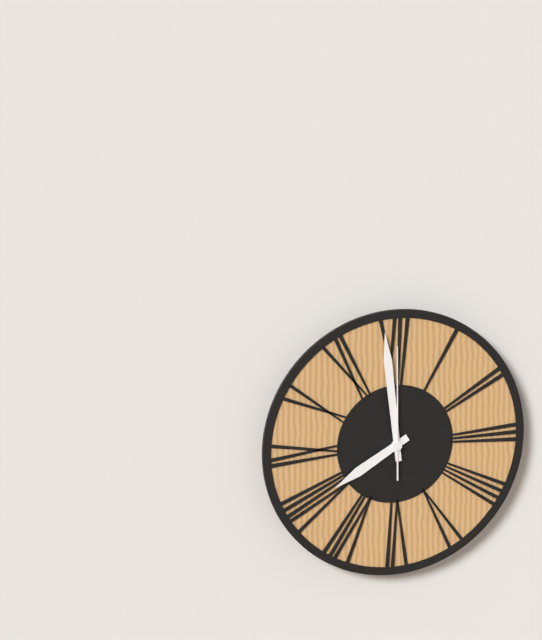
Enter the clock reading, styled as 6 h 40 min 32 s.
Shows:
7 h 59 min 00 s
